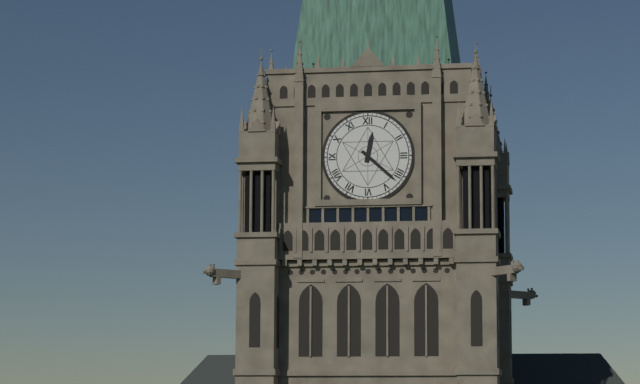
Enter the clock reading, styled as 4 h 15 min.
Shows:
12 h 22 min
